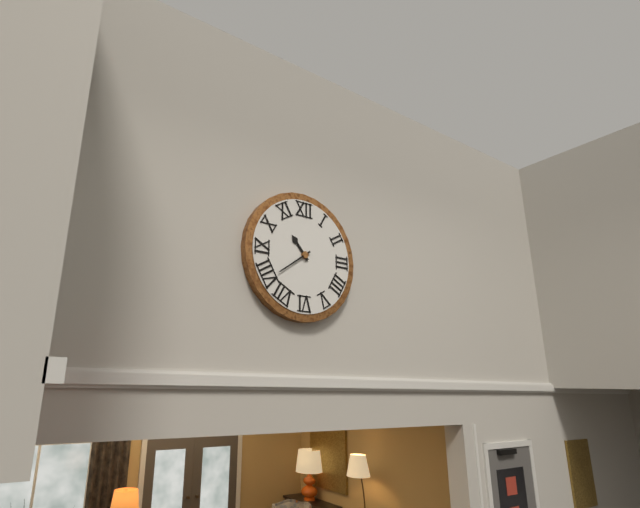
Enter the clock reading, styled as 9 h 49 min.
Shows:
10 h 39 min
